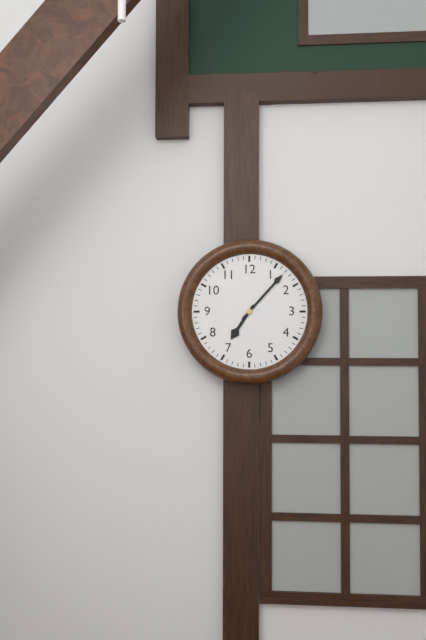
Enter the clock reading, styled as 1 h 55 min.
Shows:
7 h 07 min
